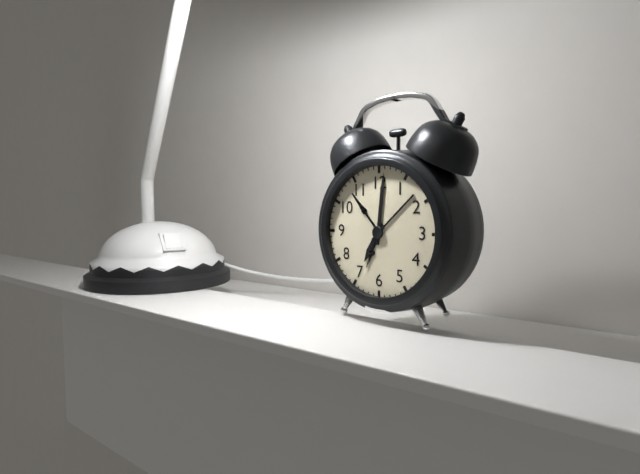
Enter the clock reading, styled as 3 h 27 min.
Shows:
7 h 01 min
